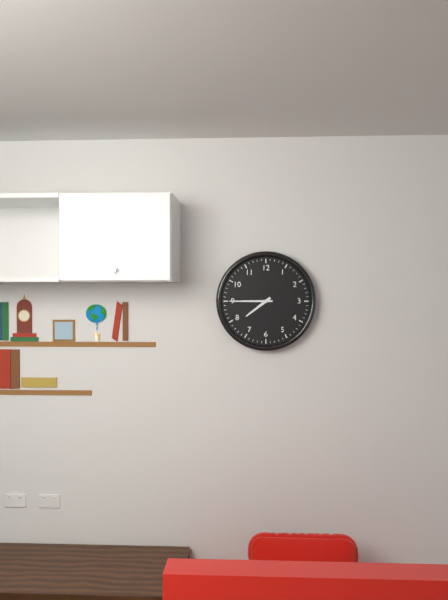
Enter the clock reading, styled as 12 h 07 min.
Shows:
7 h 45 min
